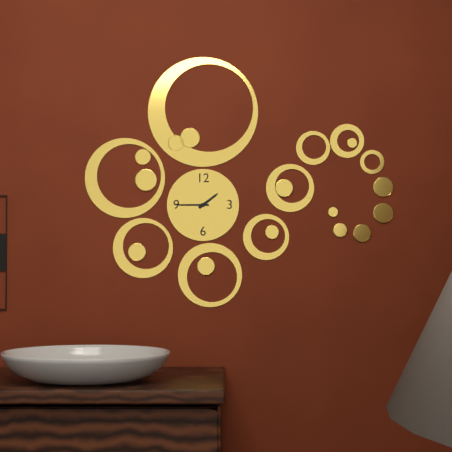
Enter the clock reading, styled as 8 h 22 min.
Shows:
1 h 45 min
